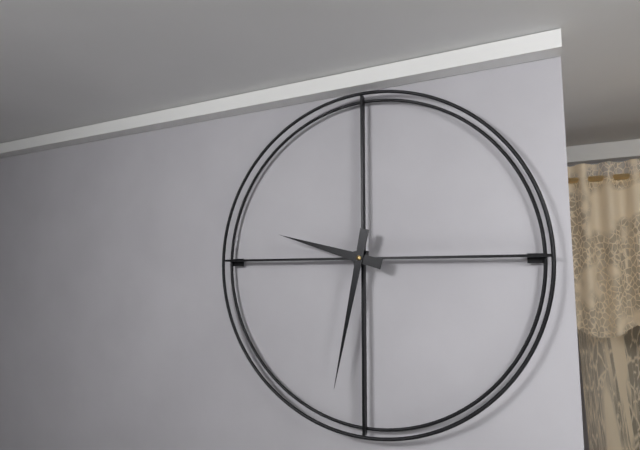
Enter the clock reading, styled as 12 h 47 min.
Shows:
9 h 32 min
